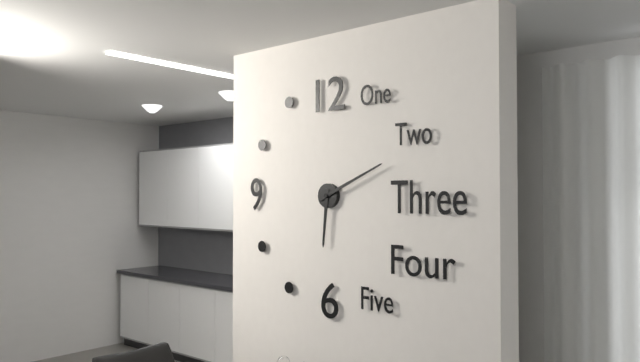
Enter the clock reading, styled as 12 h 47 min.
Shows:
6 h 11 min
